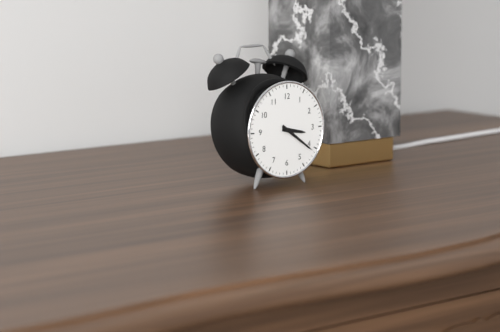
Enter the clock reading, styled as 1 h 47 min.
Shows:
3 h 21 min
